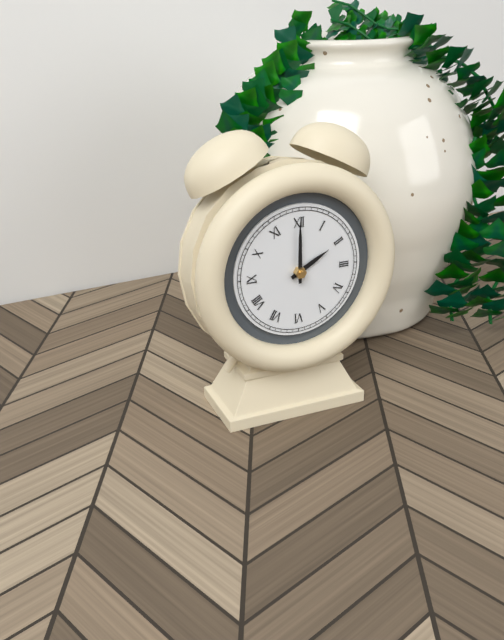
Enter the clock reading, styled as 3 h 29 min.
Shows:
2 h 00 min
